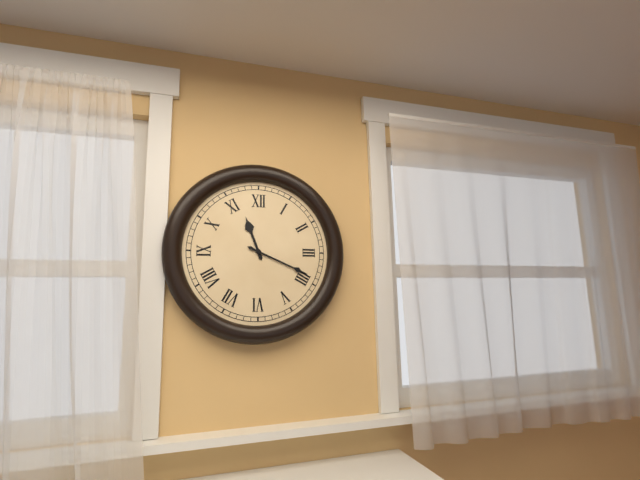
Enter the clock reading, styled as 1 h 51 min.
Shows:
11 h 19 min
